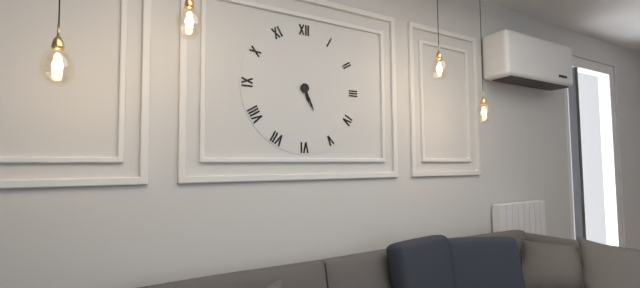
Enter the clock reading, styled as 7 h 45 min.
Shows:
5 h 26 min
